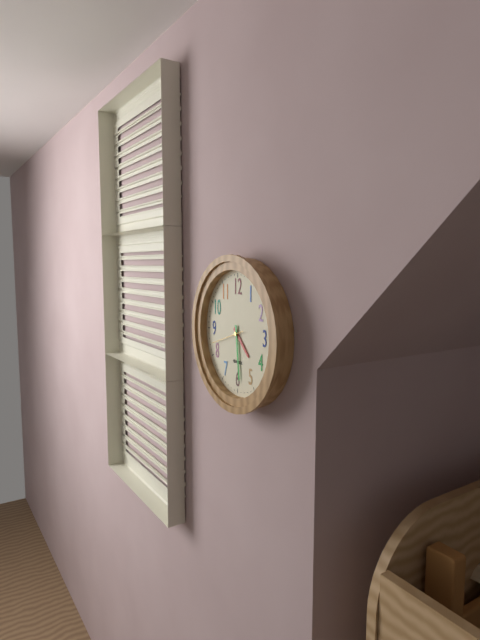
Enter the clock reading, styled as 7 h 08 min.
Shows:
4 h 29 min
